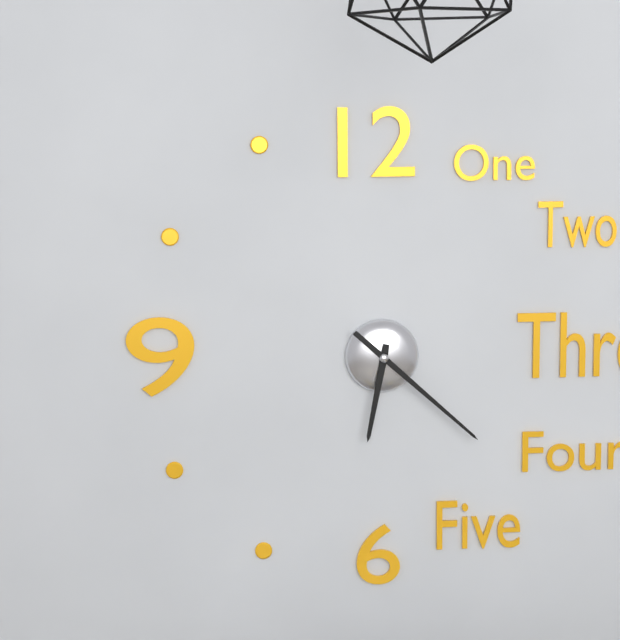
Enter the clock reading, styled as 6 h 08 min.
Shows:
6 h 22 min
